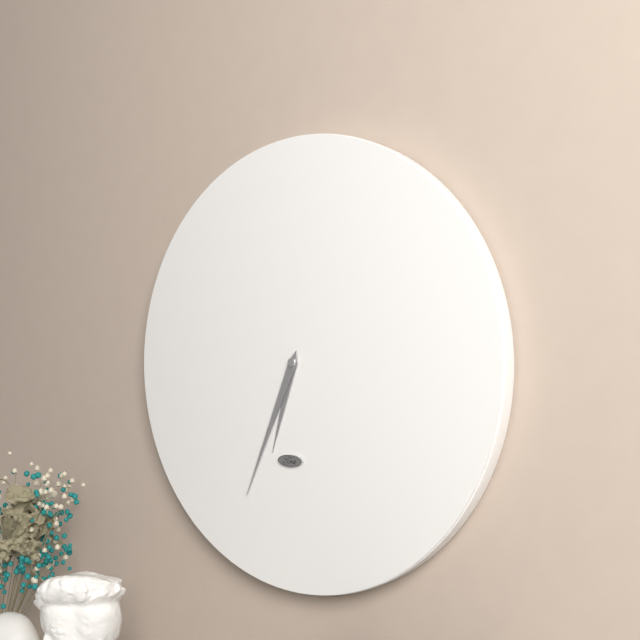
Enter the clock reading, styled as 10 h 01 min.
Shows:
6 h 34 min
